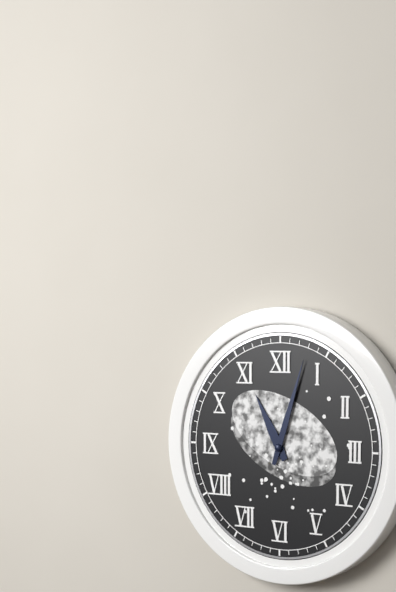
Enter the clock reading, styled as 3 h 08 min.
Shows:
11 h 03 min
